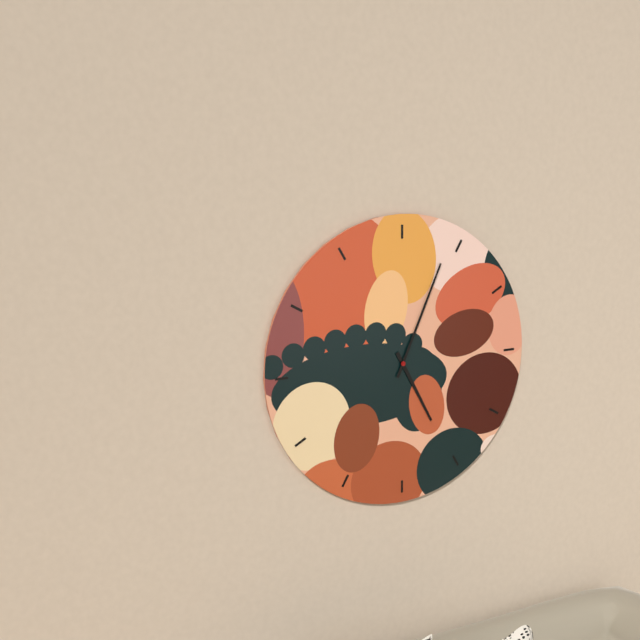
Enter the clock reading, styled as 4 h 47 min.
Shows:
5 h 04 min
